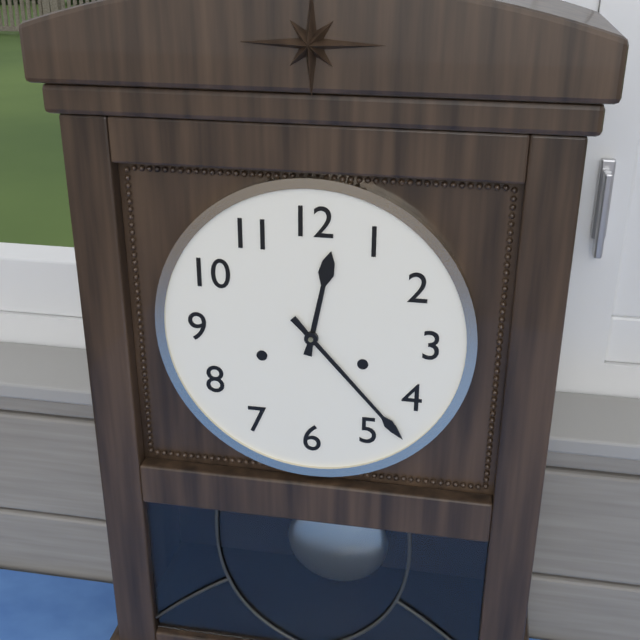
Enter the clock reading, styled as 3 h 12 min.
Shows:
12 h 23 min
